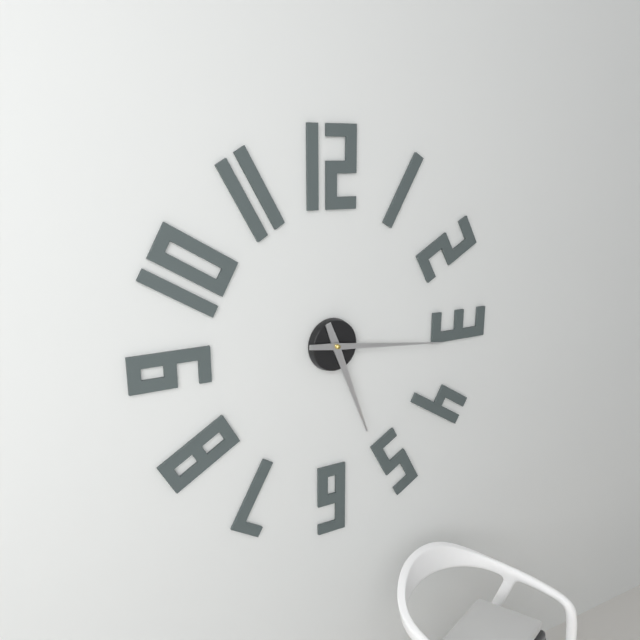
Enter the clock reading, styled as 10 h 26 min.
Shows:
5 h 16 min
